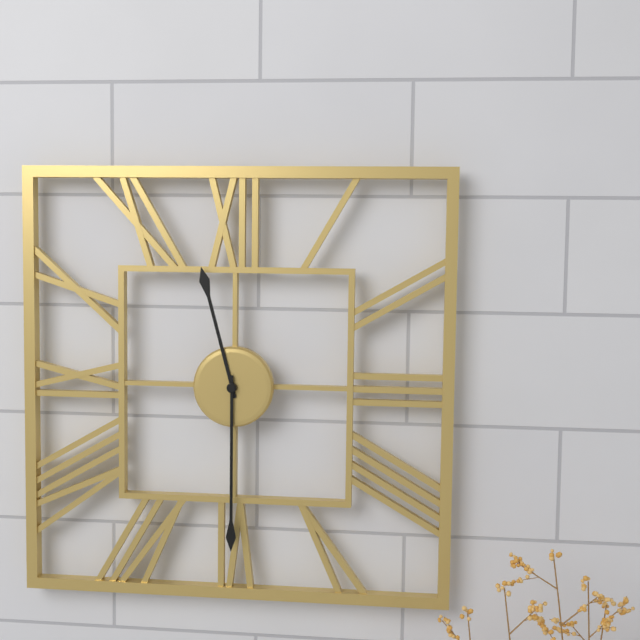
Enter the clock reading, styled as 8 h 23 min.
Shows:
11 h 30 min
